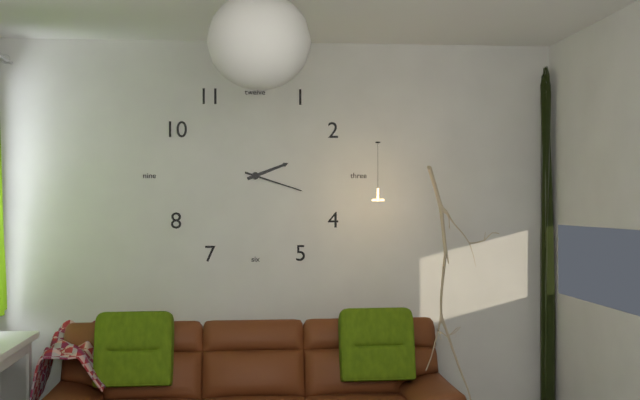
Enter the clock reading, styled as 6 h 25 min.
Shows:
2 h 18 min
